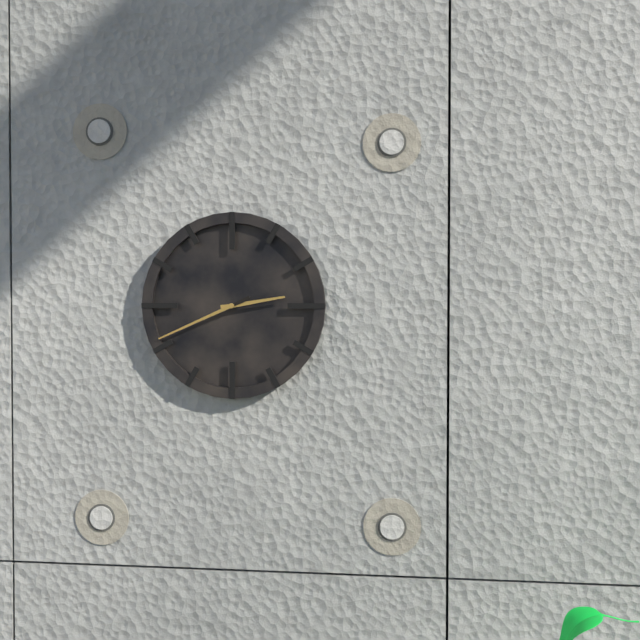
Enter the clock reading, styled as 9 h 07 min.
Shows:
2 h 41 min
